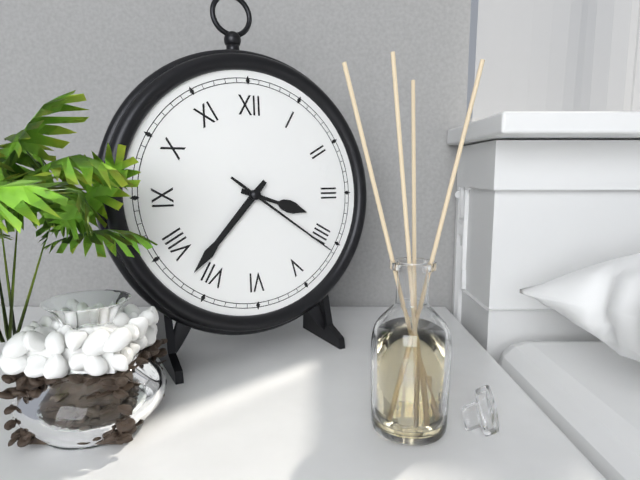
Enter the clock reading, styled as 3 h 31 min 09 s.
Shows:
3 h 37 min 21 s
